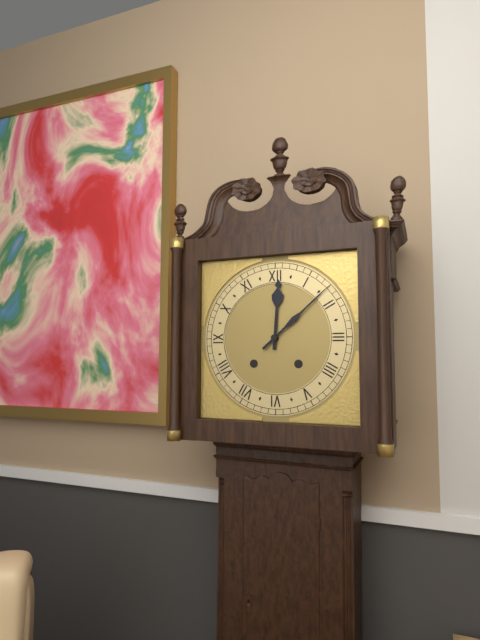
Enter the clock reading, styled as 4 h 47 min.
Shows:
12 h 08 min
